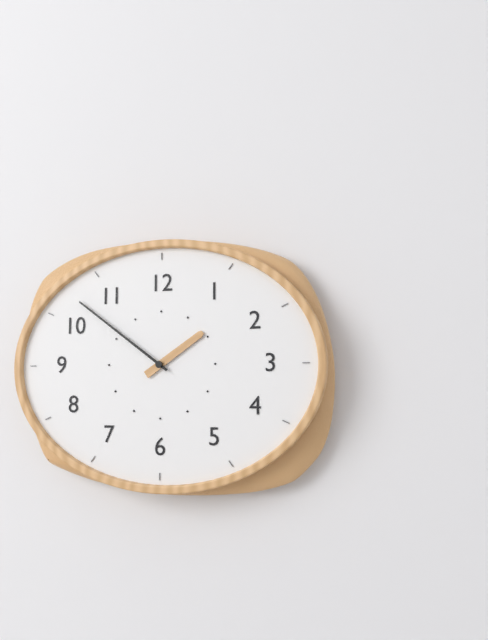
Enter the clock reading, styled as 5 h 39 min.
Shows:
1 h 51 min
